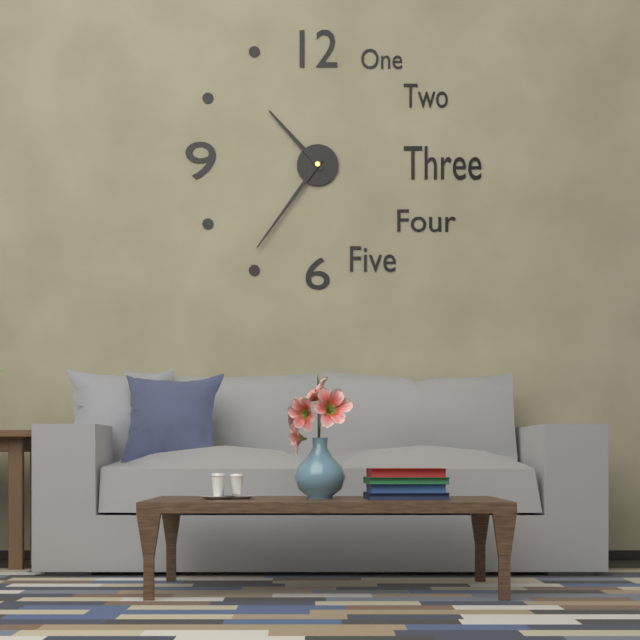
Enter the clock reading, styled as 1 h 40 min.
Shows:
10 h 36 min
